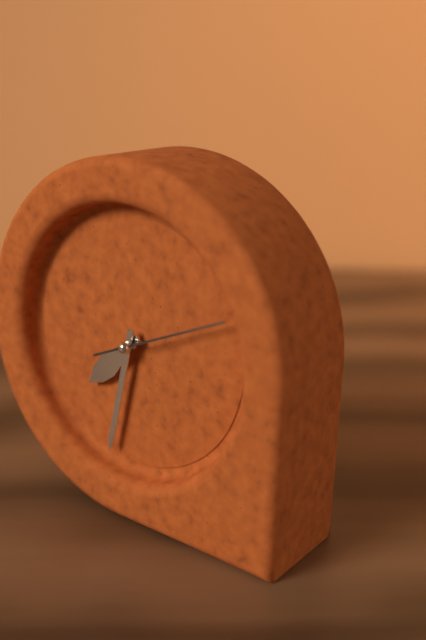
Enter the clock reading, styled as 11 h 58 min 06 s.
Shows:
7 h 32 min 11 s
